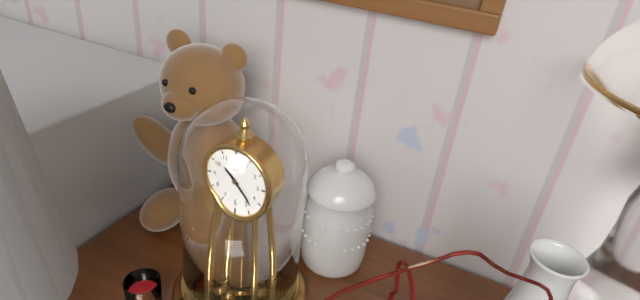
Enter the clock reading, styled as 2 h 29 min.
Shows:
10 h 23 min
